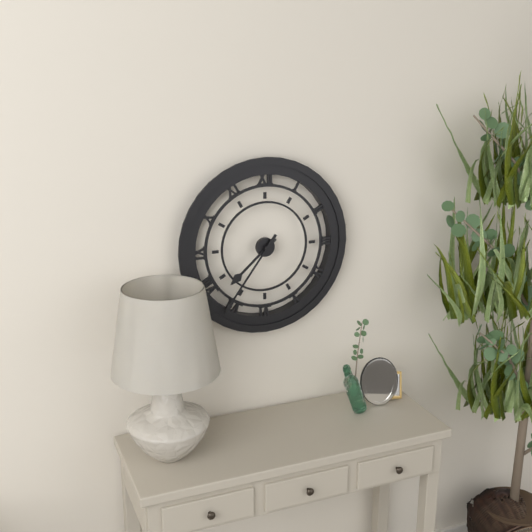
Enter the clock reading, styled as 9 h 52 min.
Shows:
7 h 36 min
